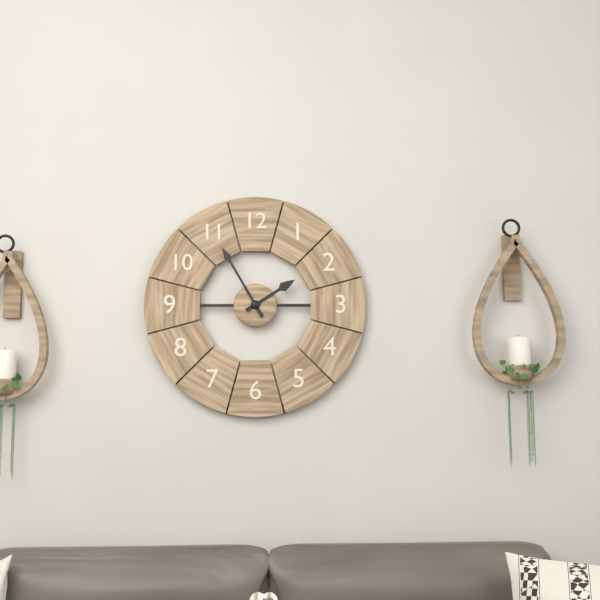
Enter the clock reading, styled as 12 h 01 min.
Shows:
1 h 55 min
